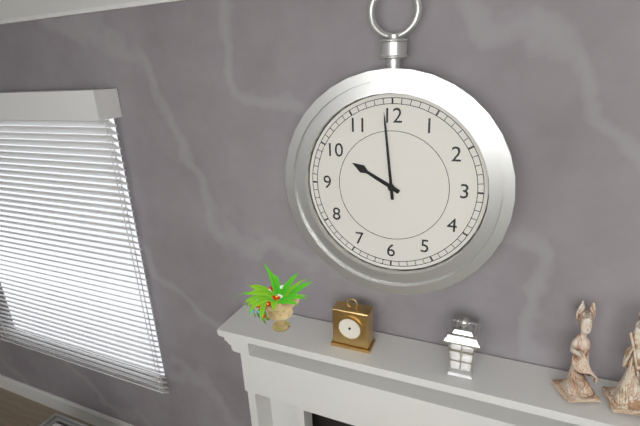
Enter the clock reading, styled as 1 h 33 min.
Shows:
9 h 59 min
